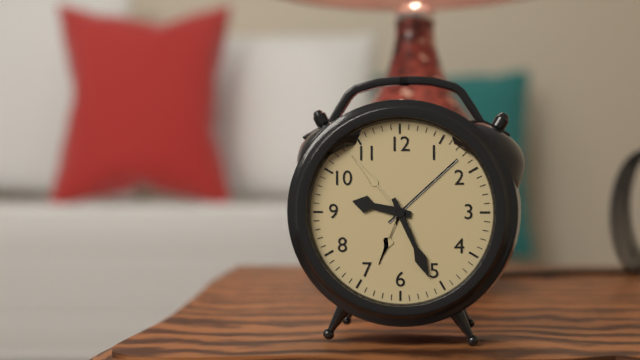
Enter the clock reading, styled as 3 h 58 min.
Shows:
9 h 26 min
